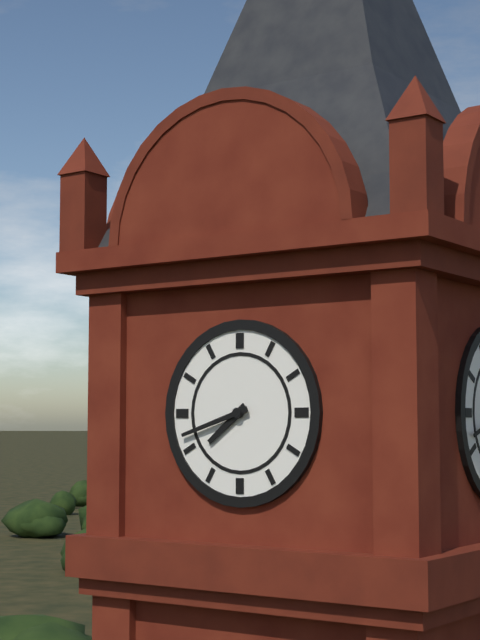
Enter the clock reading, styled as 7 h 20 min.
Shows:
7 h 42 min
